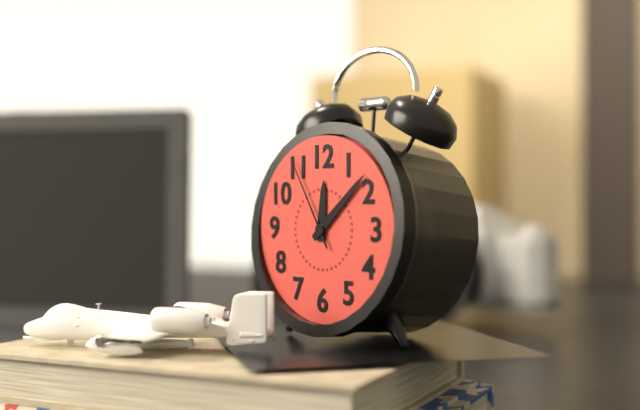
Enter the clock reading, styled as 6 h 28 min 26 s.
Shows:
12 h 08 min 55 s
